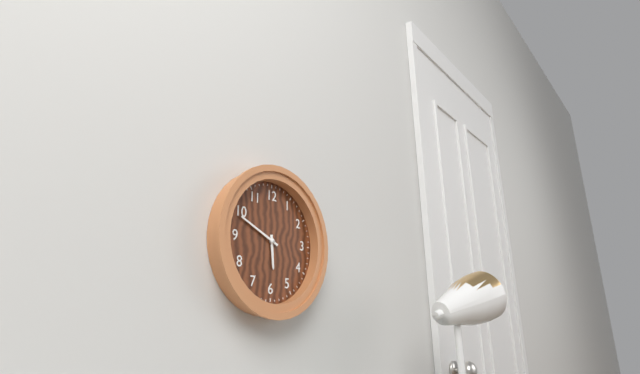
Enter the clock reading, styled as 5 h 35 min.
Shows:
5 h 49 min
